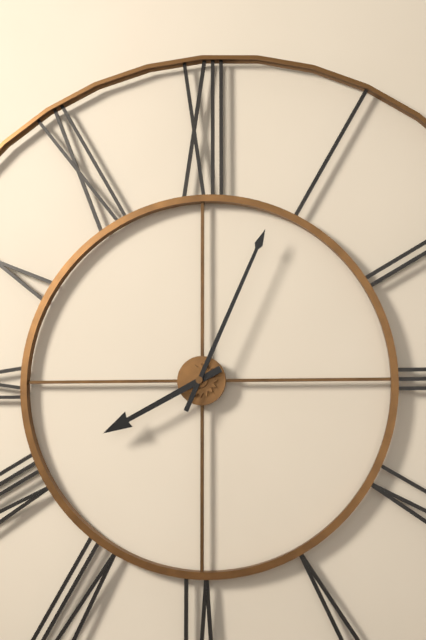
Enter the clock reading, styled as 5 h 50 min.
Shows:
8 h 04 min
